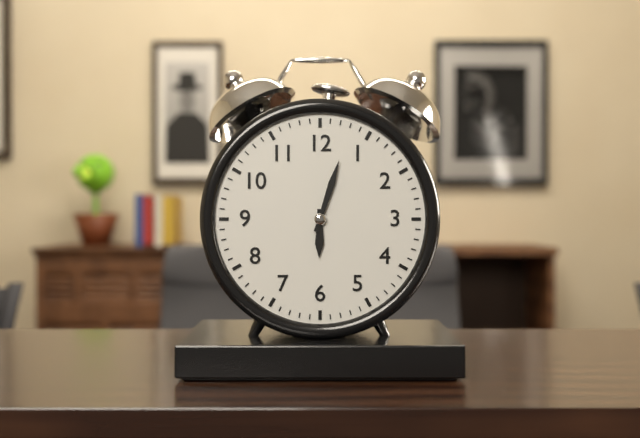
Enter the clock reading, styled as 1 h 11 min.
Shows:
6 h 03 min
